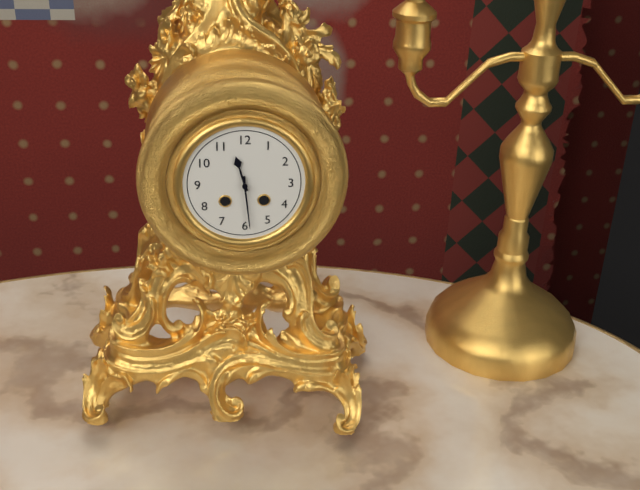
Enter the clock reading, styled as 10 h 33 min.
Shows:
11 h 29 min
